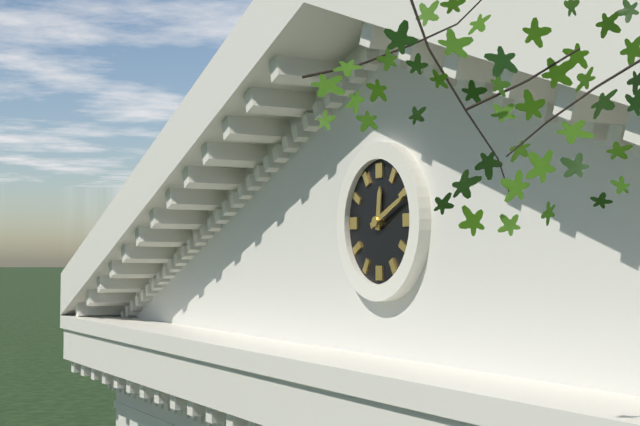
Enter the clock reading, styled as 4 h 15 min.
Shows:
12 h 11 min
